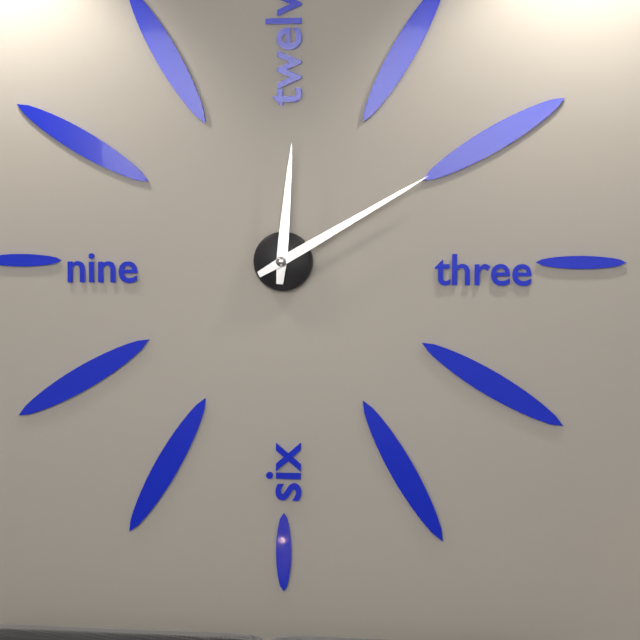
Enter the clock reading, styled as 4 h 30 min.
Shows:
12 h 10 min
